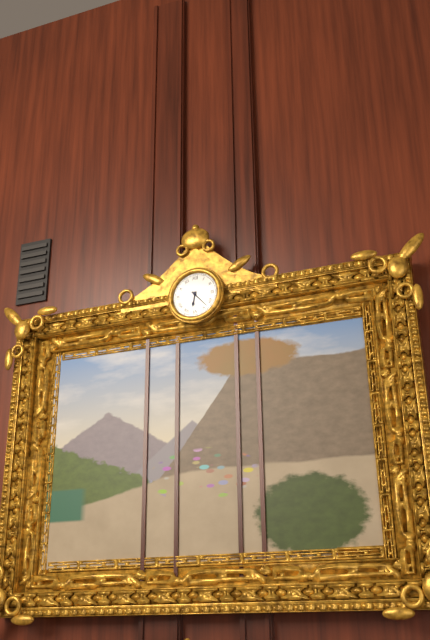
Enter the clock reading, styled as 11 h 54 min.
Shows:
6 h 23 min
